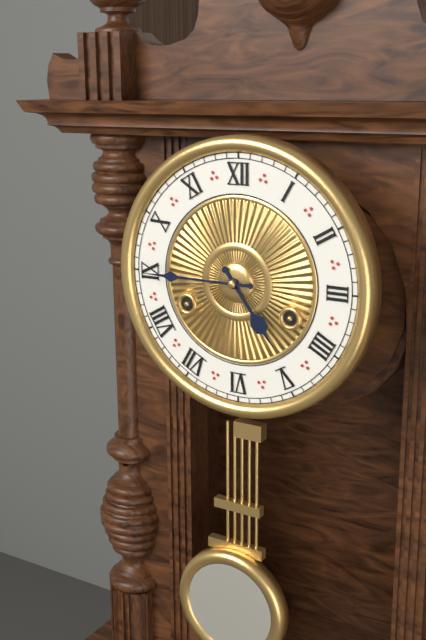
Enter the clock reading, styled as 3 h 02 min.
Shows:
4 h 45 min
